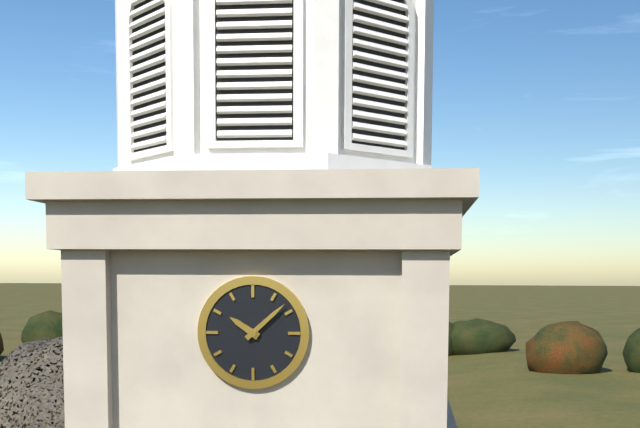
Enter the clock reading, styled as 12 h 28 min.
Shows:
10 h 08 min
